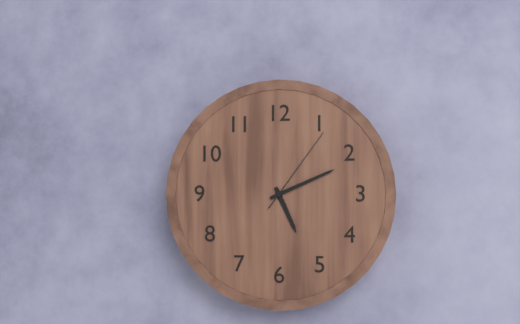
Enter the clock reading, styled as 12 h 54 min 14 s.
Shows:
5 h 11 min 06 s
